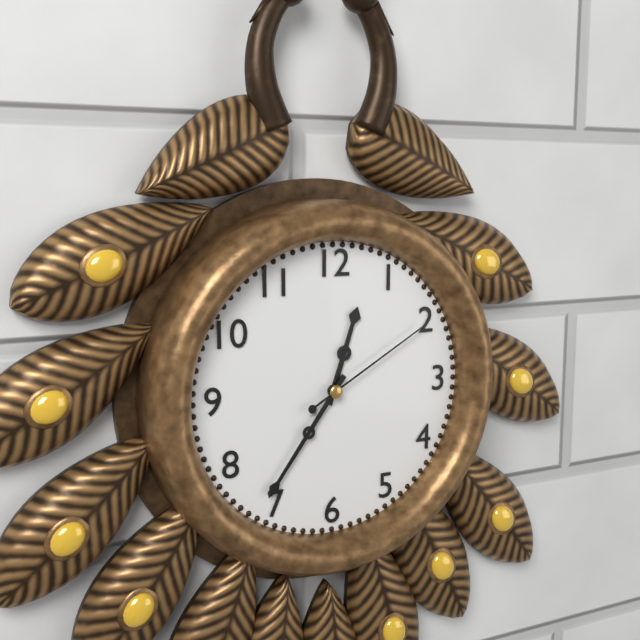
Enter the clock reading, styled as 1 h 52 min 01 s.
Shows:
12 h 36 min 10 s
